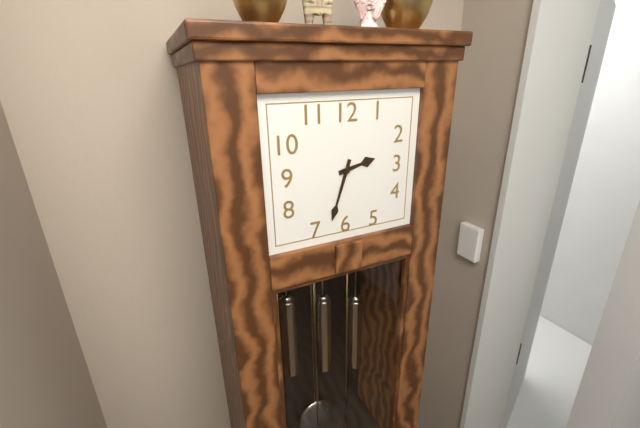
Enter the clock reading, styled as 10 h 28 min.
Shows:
2 h 33 min
